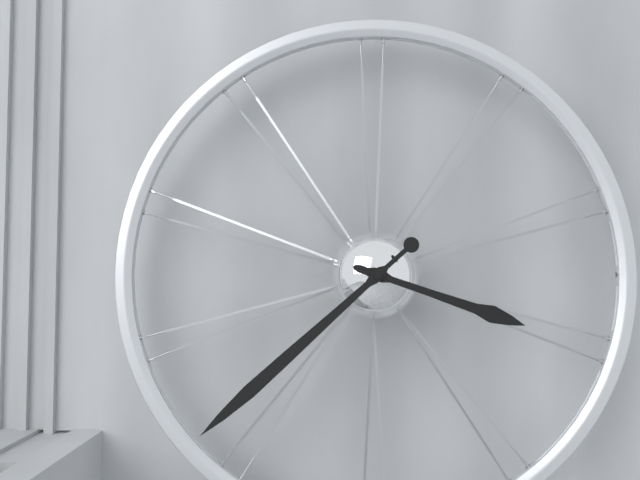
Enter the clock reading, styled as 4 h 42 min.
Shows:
3 h 38 min
